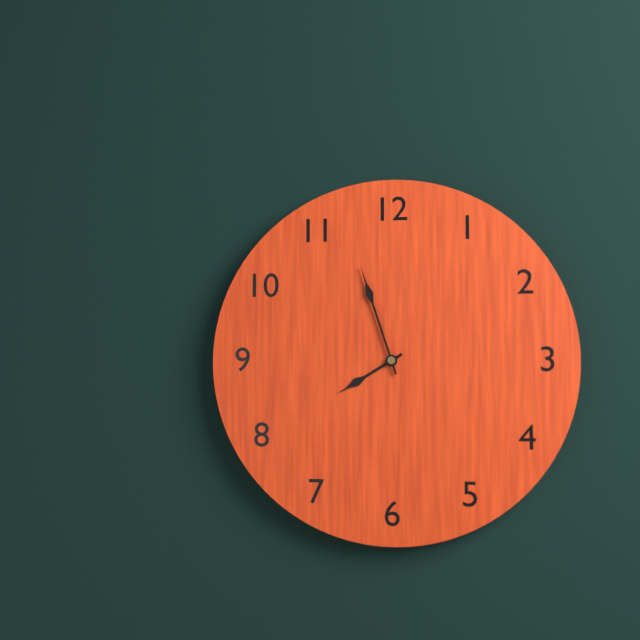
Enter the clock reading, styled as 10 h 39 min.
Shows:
7 h 57 min
